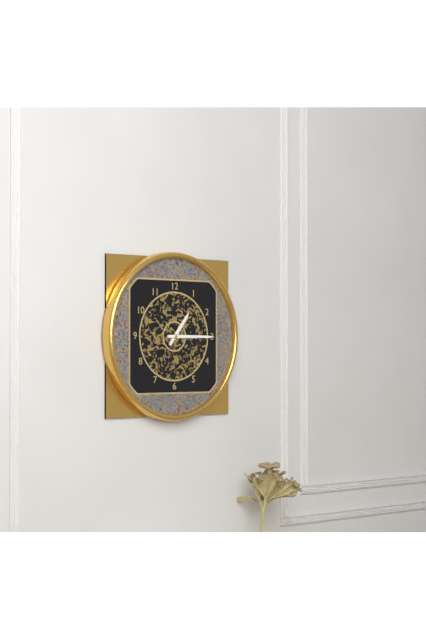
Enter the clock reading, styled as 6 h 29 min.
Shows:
1 h 15 min
